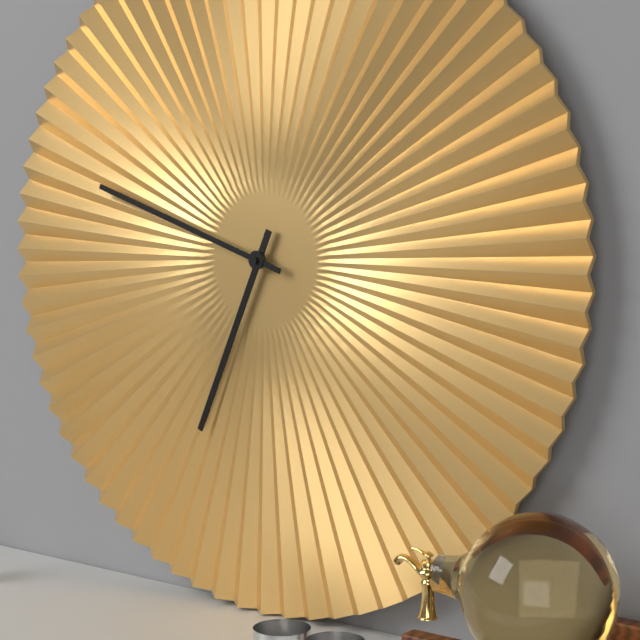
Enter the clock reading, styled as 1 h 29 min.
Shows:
6 h 48 min
